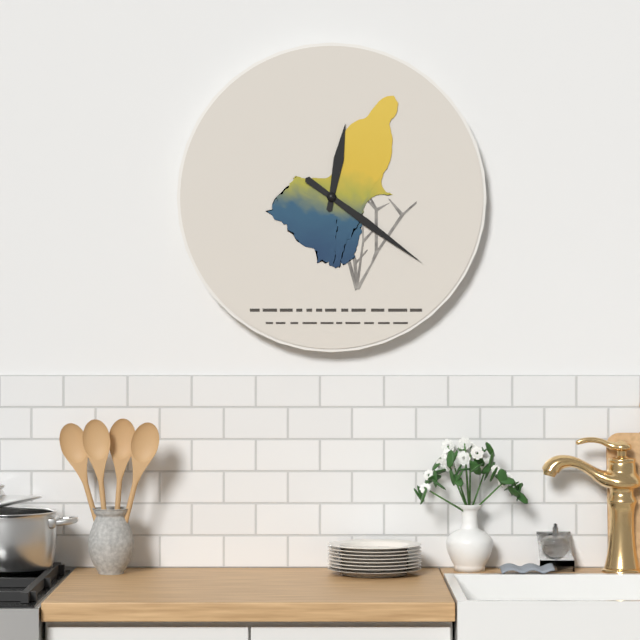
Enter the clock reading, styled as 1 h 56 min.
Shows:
12 h 21 min
